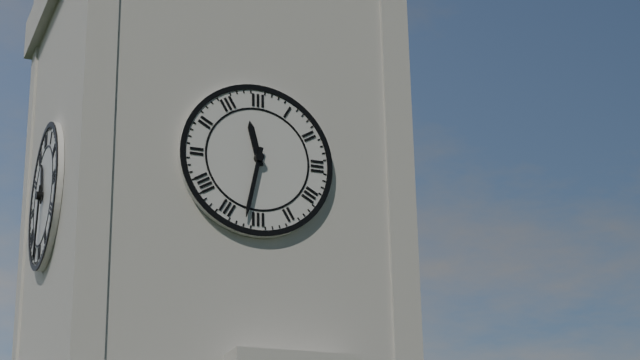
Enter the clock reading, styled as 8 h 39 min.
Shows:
11 h 32 min
